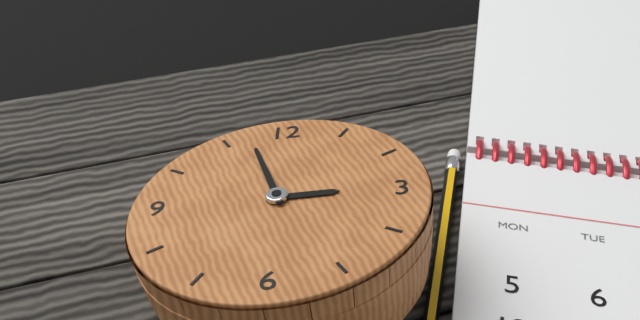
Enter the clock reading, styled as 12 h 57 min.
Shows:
2 h 57 min
